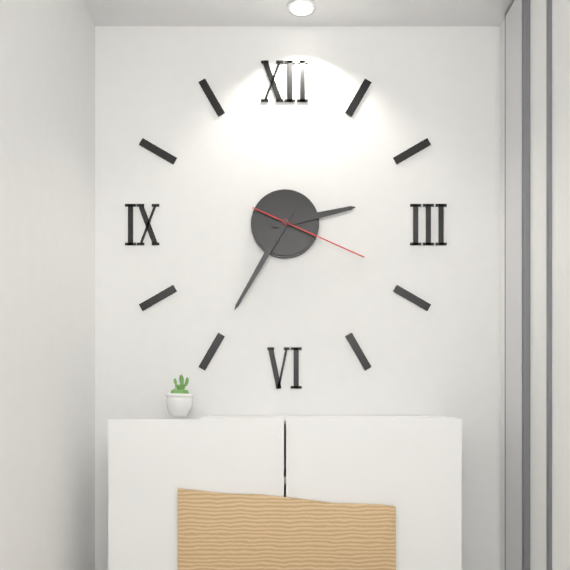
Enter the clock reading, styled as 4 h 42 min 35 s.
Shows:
2 h 35 min 19 s
